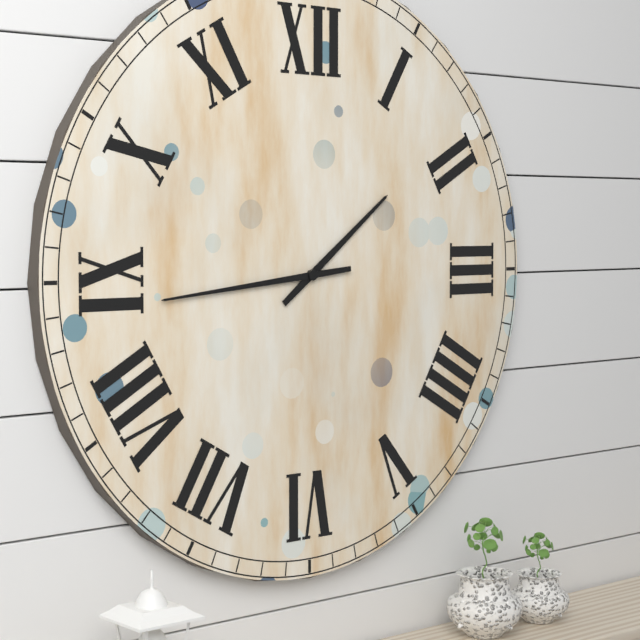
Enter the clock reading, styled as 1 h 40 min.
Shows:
1 h 44 min
